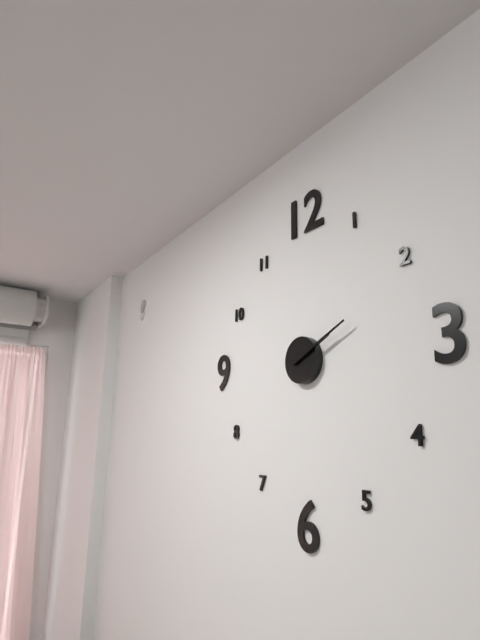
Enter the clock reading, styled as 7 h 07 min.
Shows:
2 h 11 min
